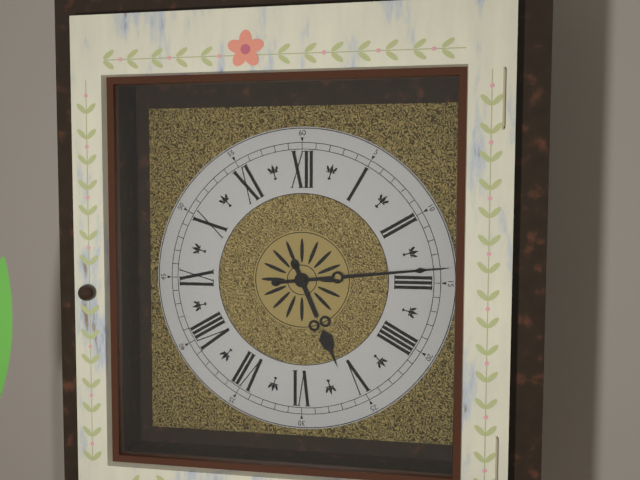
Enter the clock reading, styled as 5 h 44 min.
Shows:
5 h 14 min
